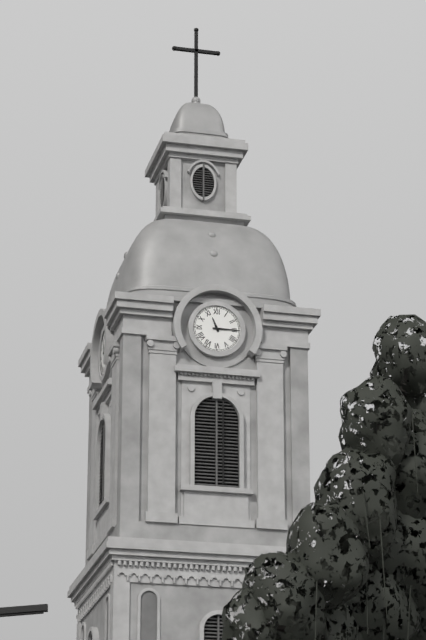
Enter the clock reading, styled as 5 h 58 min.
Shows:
11 h 15 min
